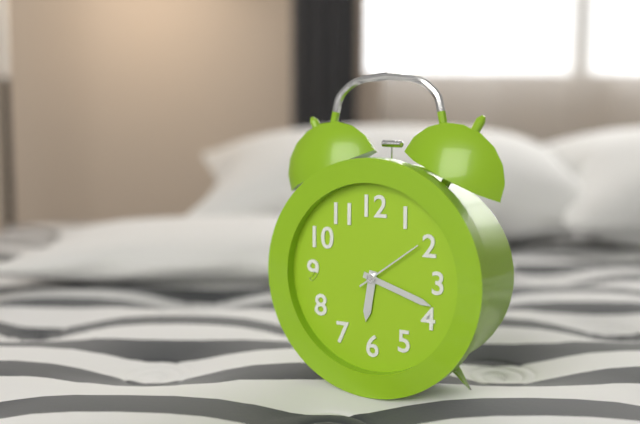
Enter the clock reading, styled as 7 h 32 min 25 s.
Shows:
6 h 18 min 09 s
